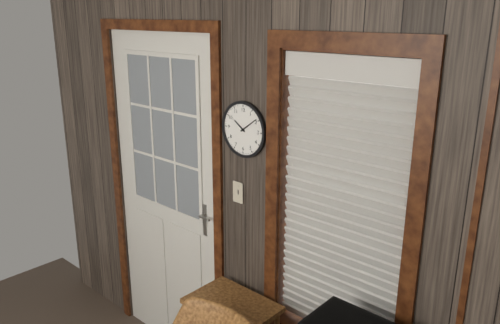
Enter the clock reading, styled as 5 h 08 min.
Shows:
10 h 09 min
